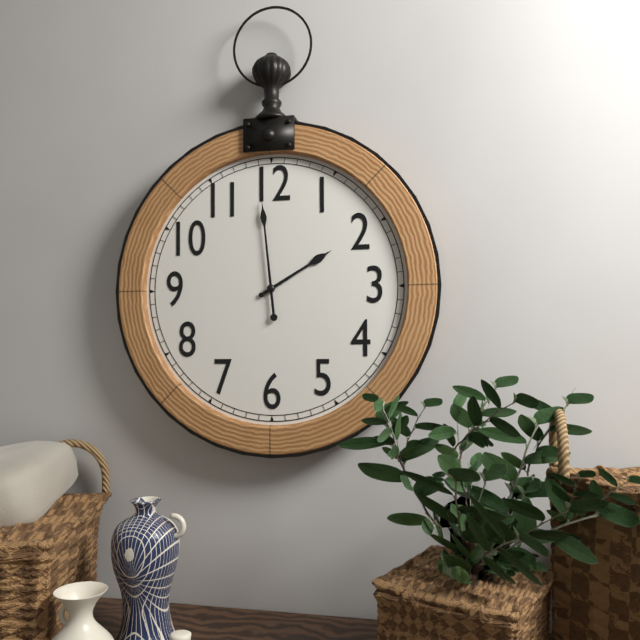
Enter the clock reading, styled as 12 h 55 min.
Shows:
1 h 59 min
